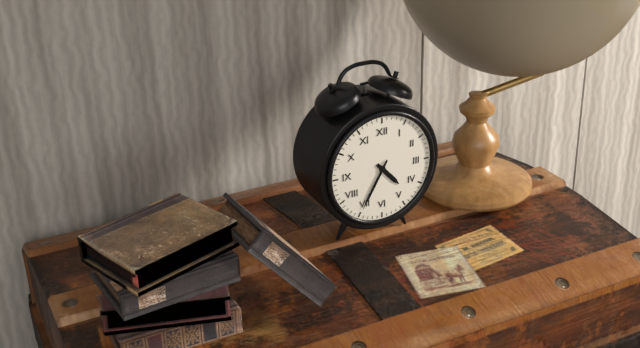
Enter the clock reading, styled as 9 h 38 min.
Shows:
4 h 35 min
